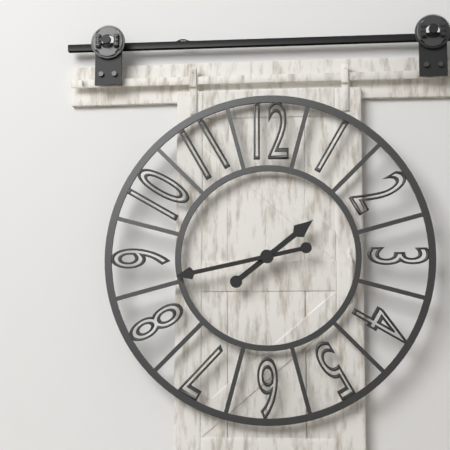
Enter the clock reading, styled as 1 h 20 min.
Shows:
1 h 43 min
